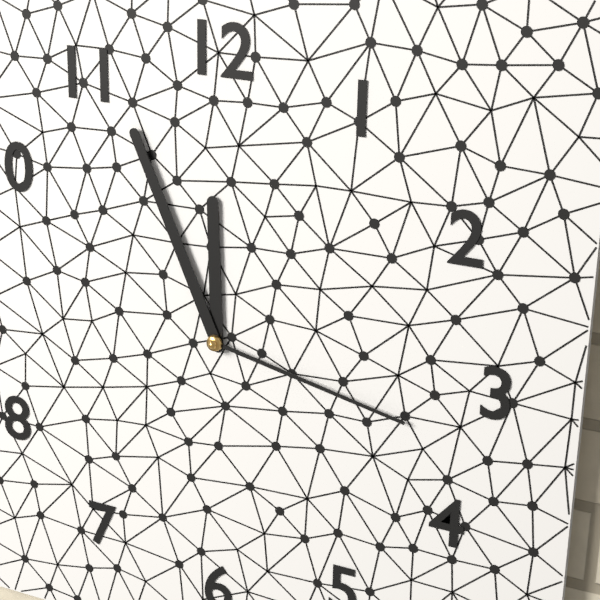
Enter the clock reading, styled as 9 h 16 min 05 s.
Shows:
11 h 56 min 17 s
